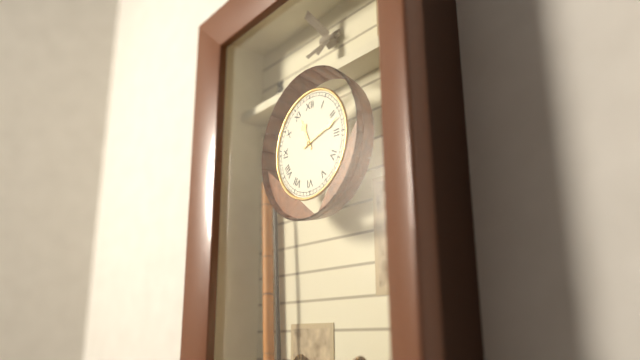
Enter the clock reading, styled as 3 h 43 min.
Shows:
11 h 12 min
